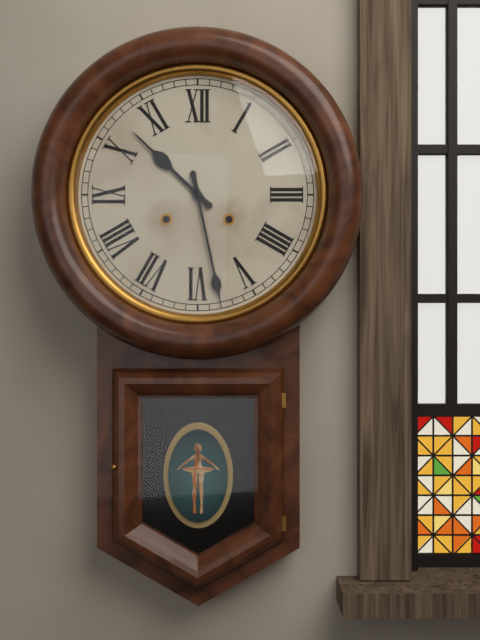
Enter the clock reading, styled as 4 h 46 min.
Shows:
10 h 28 min
